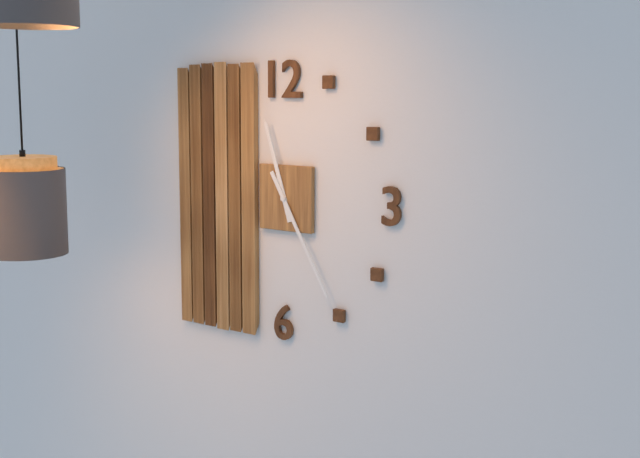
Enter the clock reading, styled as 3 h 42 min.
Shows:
11 h 25 min
